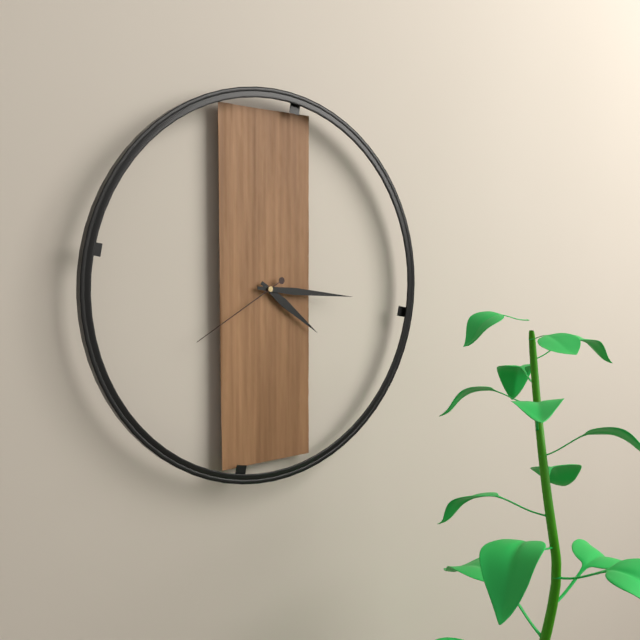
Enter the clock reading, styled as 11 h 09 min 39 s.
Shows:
4 h 16 min 40 s
